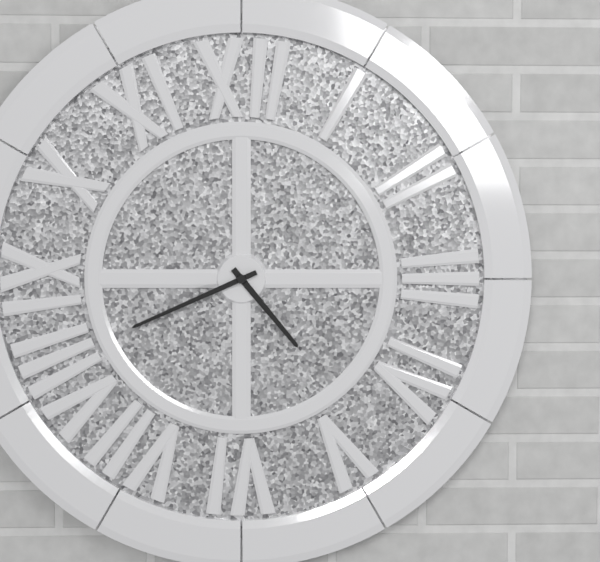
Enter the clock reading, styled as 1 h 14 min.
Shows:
4 h 41 min
